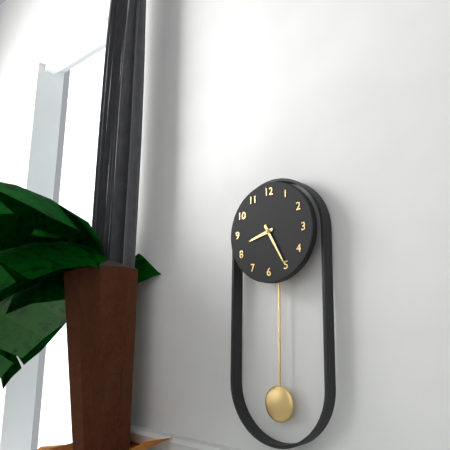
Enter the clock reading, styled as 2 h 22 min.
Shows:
8 h 25 min
